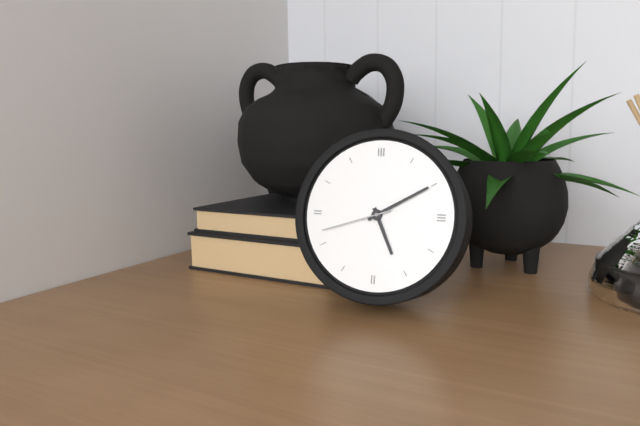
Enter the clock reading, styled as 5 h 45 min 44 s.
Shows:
5 h 10 min 42 s
